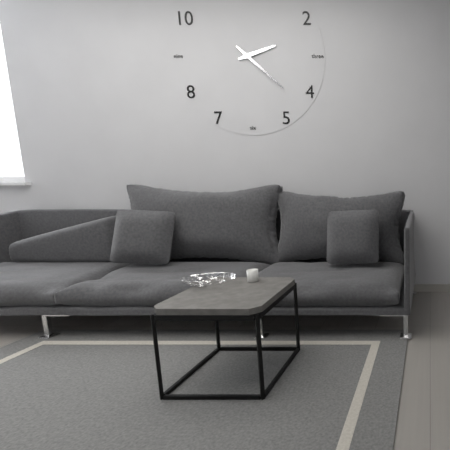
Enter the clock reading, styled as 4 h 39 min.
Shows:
2 h 22 min
